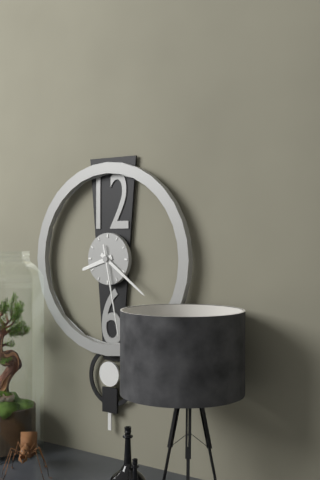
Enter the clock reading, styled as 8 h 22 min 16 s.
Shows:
8 h 21 min 28 s
